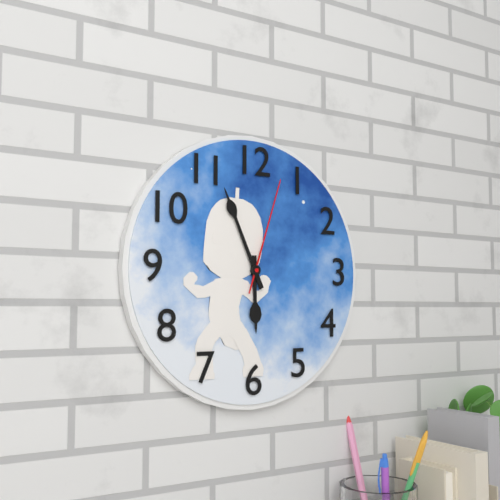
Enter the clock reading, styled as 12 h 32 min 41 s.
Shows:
5 h 56 min 03 s
